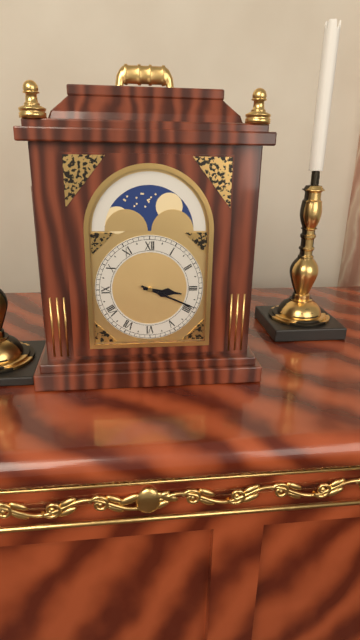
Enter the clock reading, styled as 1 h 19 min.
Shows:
3 h 19 min
